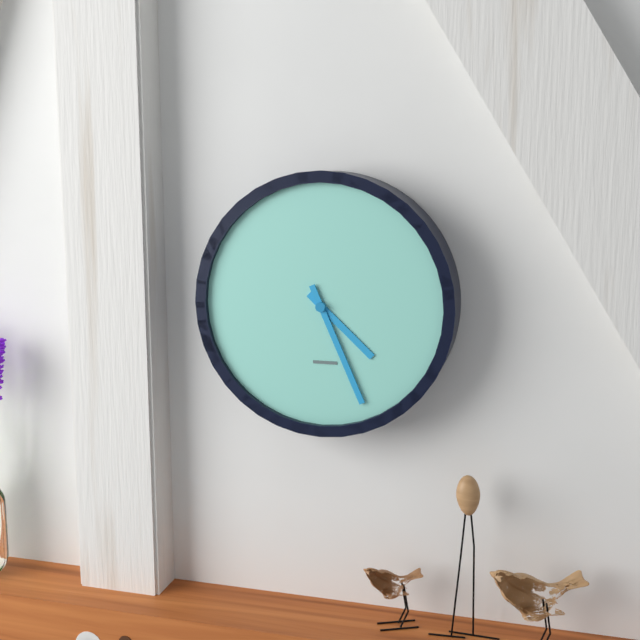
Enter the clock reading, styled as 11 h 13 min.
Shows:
4 h 26 min
